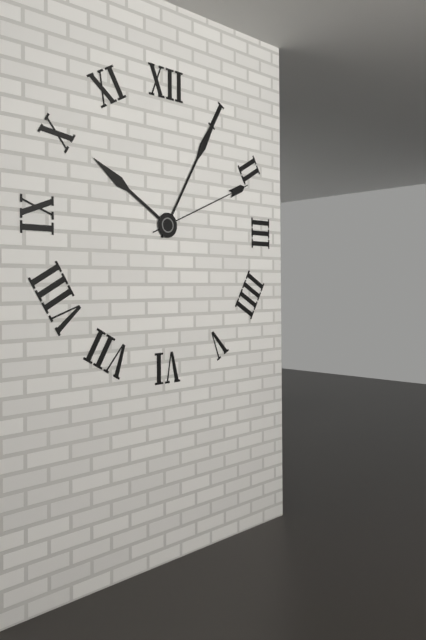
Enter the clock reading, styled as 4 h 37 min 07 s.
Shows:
10 h 05 min 11 s
